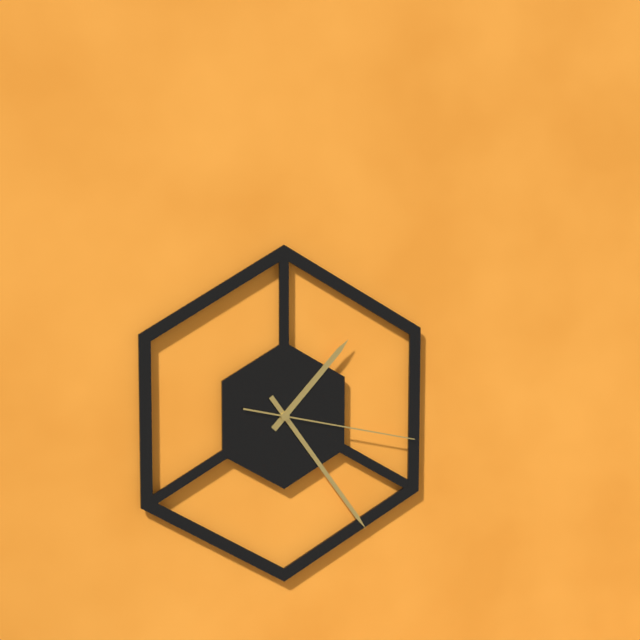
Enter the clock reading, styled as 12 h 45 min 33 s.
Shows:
1 h 24 min 17 s
